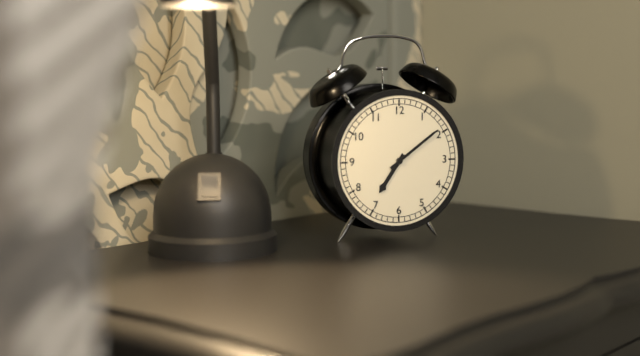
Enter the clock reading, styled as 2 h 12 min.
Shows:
7 h 09 min
